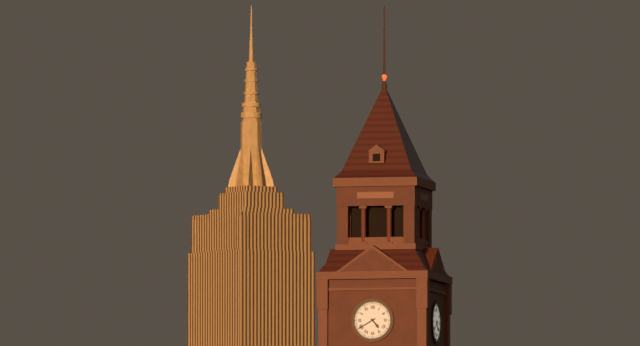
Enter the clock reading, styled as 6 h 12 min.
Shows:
4 h 40 min
